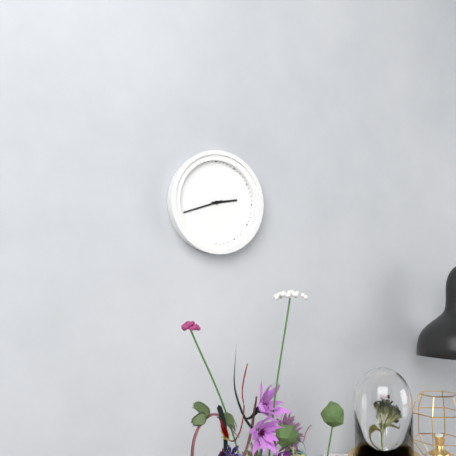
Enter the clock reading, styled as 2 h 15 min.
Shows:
2 h 42 min
